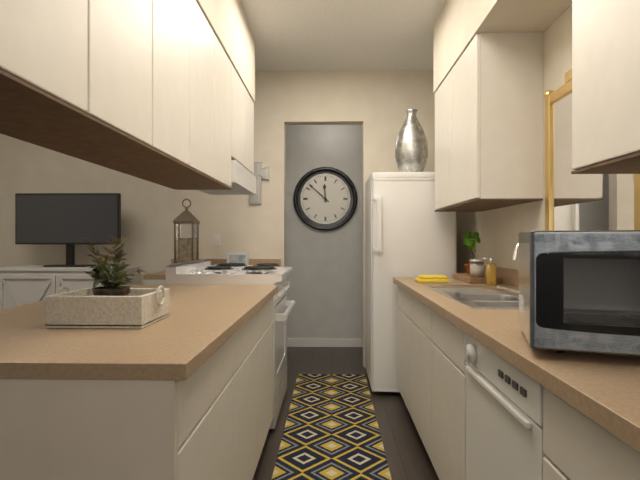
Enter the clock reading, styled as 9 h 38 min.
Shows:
11 h 52 min
